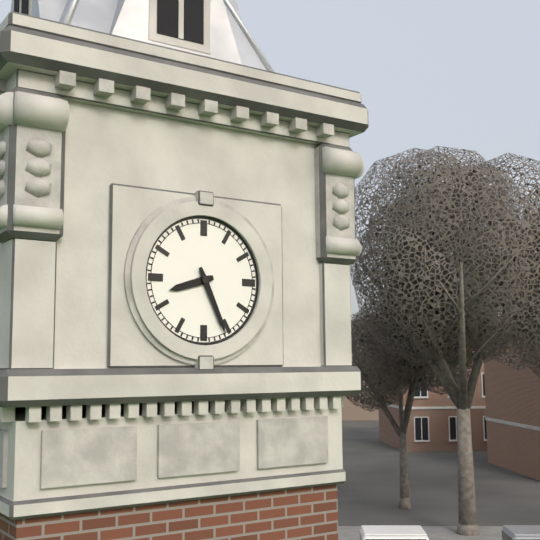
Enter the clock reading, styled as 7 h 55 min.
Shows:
8 h 26 min
